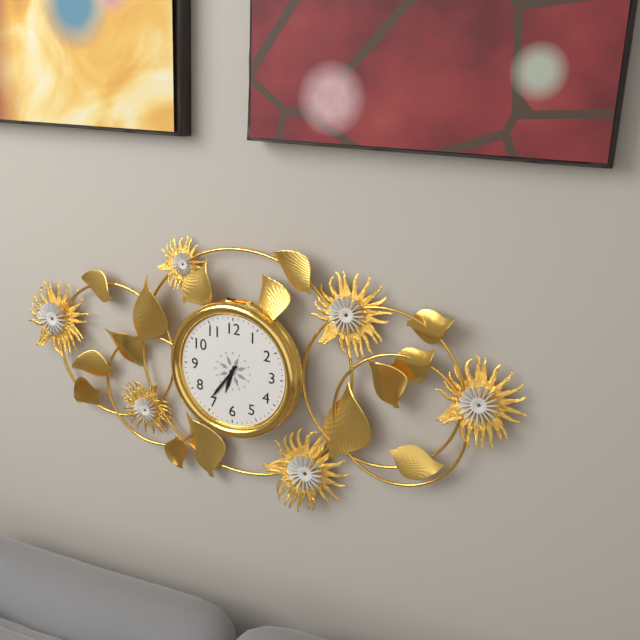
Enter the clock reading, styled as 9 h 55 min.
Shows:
6 h 36 min
